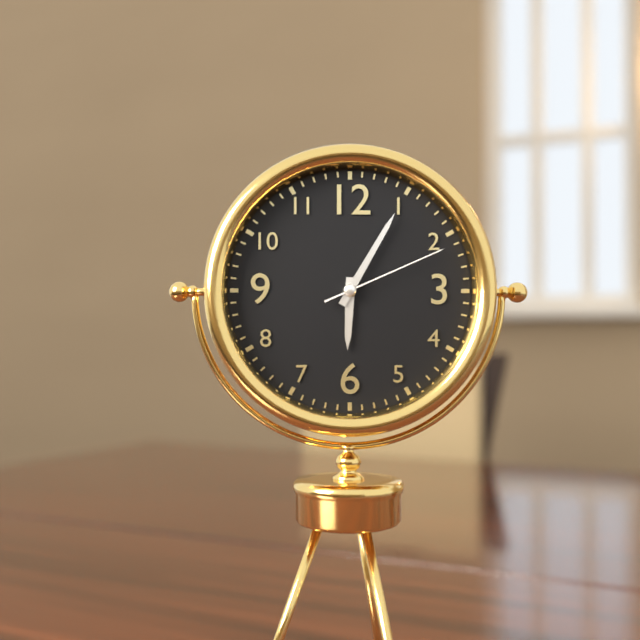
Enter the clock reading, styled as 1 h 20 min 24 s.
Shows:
6 h 05 min 11 s
